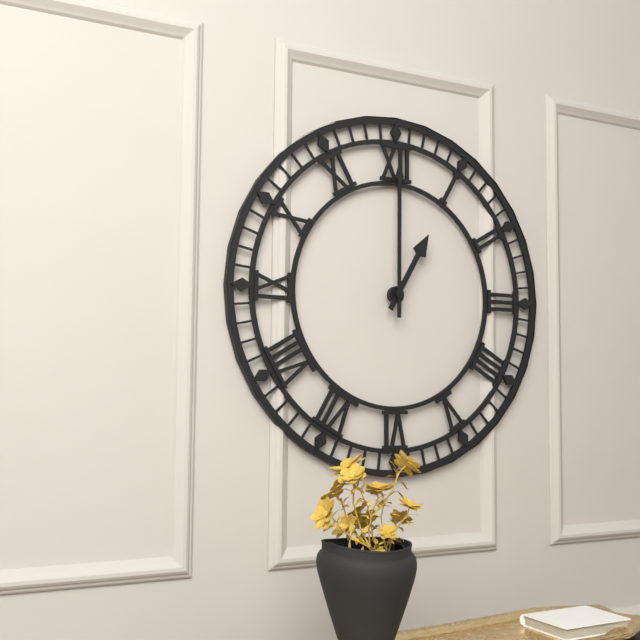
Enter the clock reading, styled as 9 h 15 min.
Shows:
1 h 00 min
